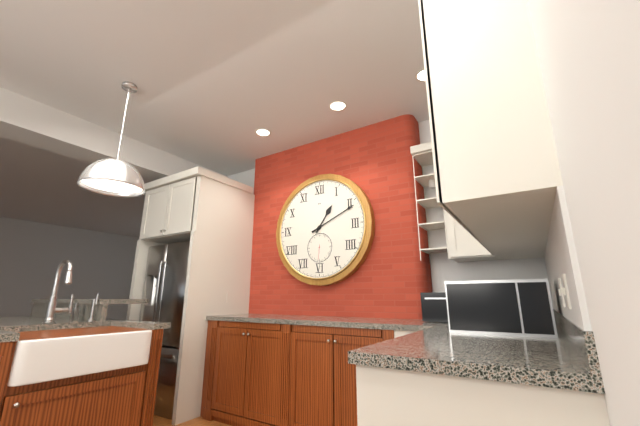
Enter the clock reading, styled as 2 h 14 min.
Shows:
1 h 11 min
